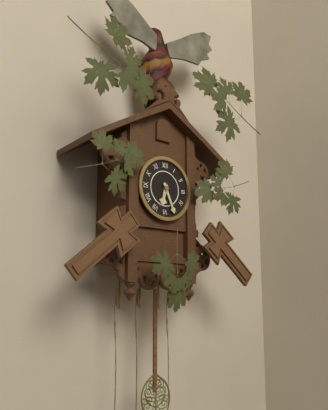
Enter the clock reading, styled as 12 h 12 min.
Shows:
6 h 26 min
